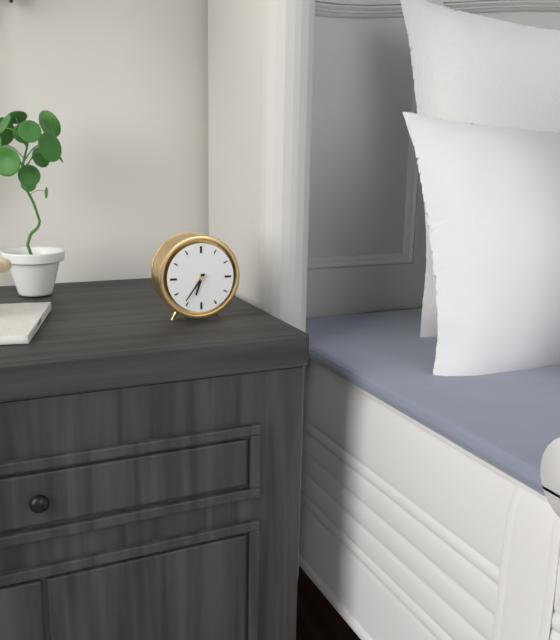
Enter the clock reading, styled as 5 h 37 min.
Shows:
6 h 36 min
